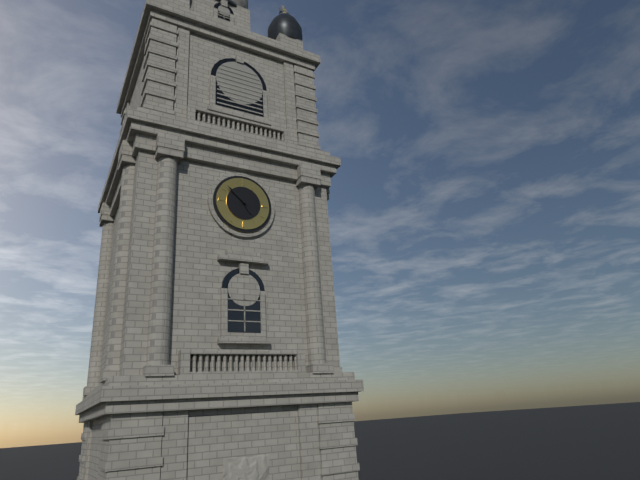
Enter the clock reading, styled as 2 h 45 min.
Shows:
4 h 52 min
